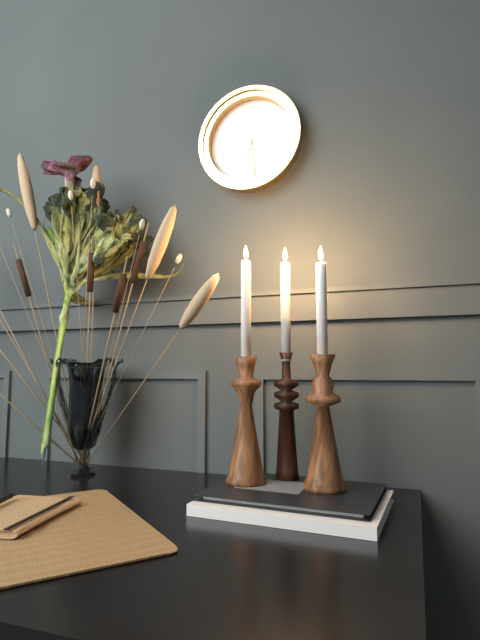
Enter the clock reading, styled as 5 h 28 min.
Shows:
6 h 29 min
